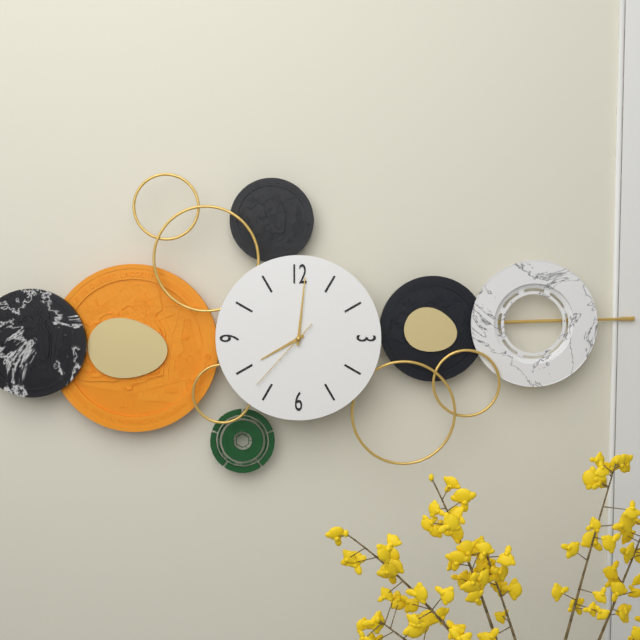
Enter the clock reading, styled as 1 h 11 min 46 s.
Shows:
8 h 01 min 37 s
